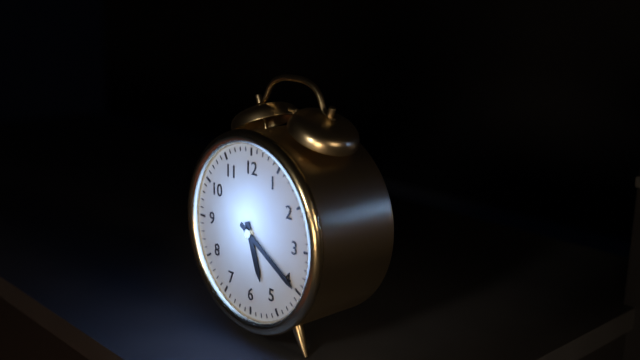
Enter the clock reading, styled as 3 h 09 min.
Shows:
5 h 20 min
